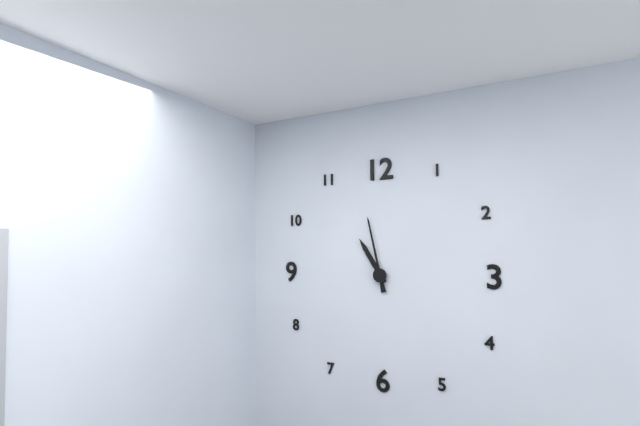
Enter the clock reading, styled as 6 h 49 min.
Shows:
10 h 58 min
